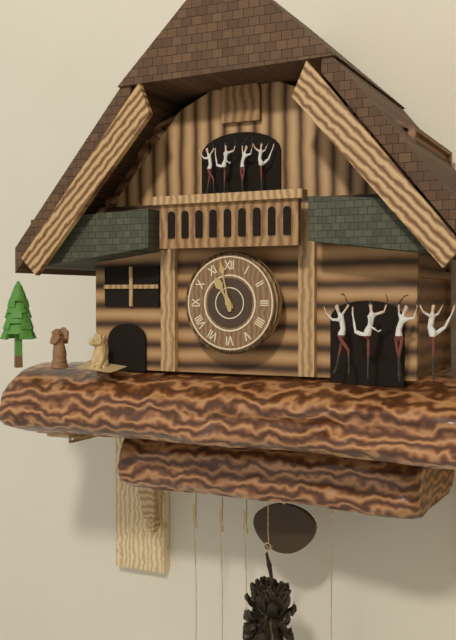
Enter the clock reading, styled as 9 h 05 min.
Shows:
10 h 58 min
